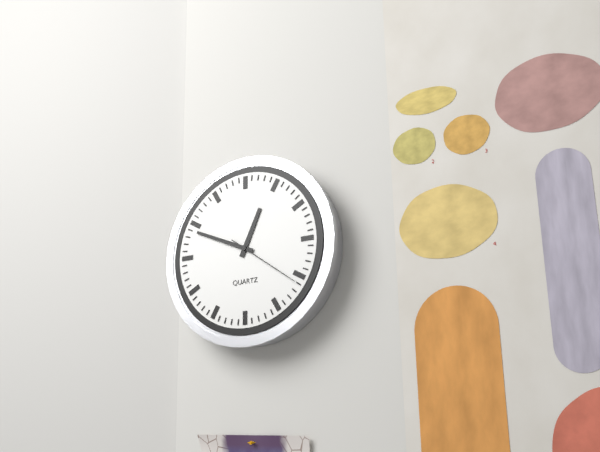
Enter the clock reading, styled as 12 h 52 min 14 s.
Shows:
12 h 49 min 21 s
